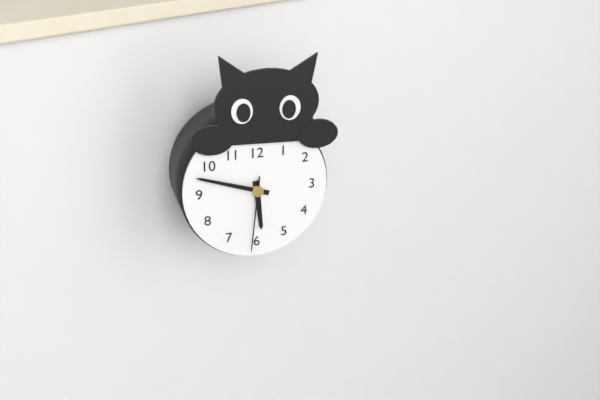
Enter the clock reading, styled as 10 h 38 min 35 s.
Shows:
5 h 48 min 31 s
